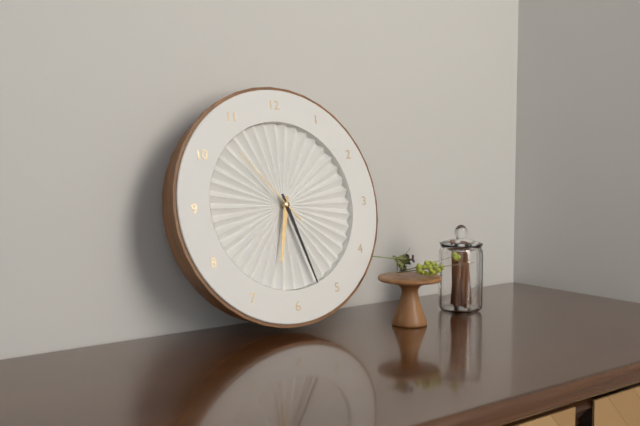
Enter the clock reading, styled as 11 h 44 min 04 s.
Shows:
6 h 27 min 53 s
